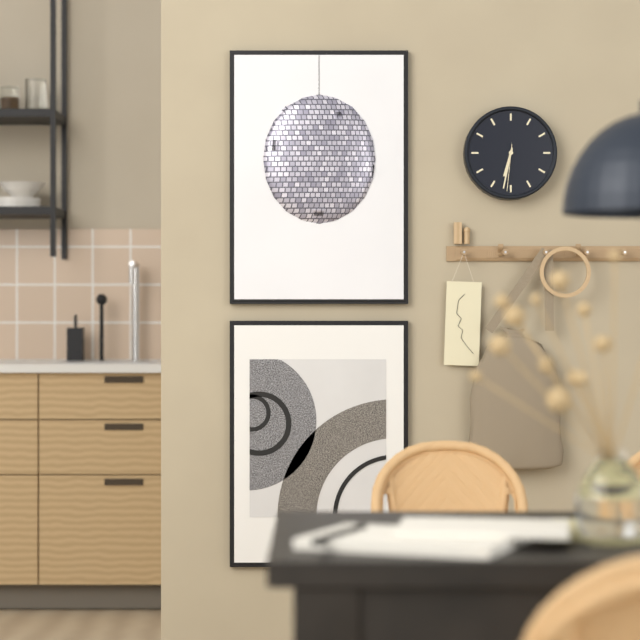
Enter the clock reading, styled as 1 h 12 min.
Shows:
6 h 32 min
